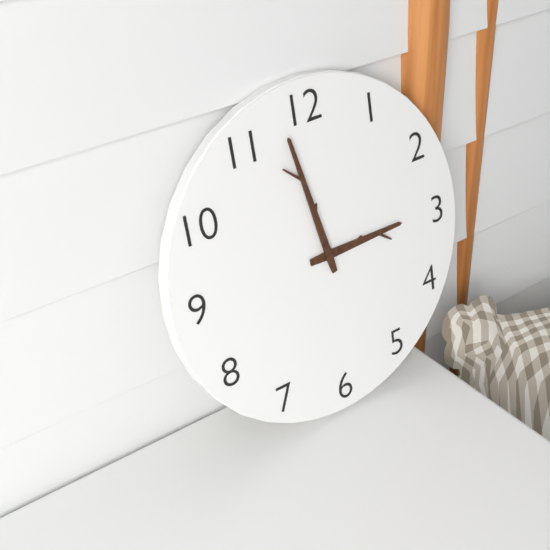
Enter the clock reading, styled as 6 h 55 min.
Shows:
2 h 58 min
